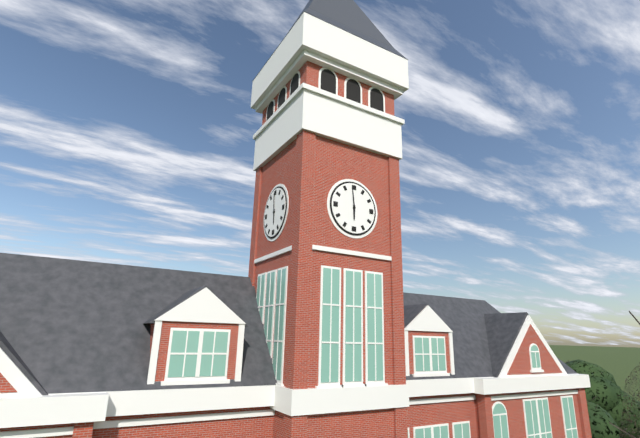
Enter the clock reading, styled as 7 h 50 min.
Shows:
5 h 59 min
